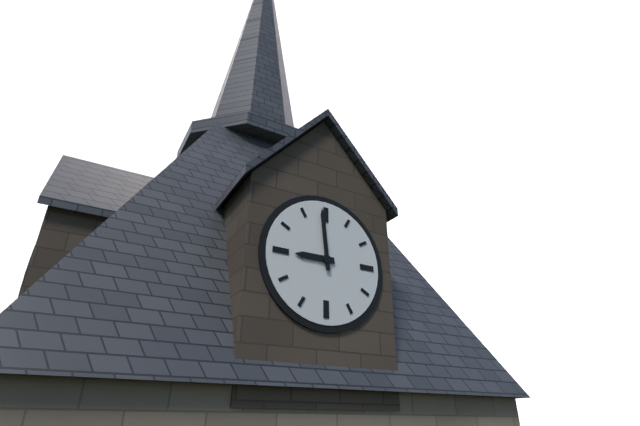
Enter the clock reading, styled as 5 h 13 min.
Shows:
8 h 59 min
